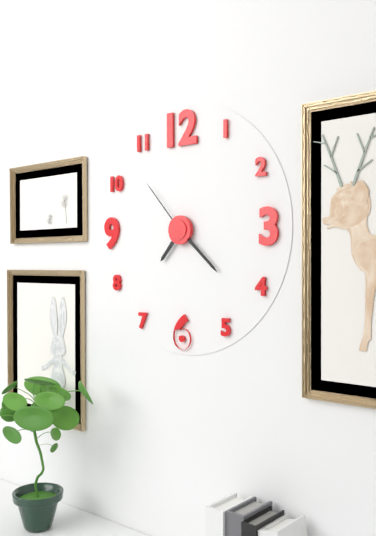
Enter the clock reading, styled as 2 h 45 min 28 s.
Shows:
7 h 22 min 53 s
